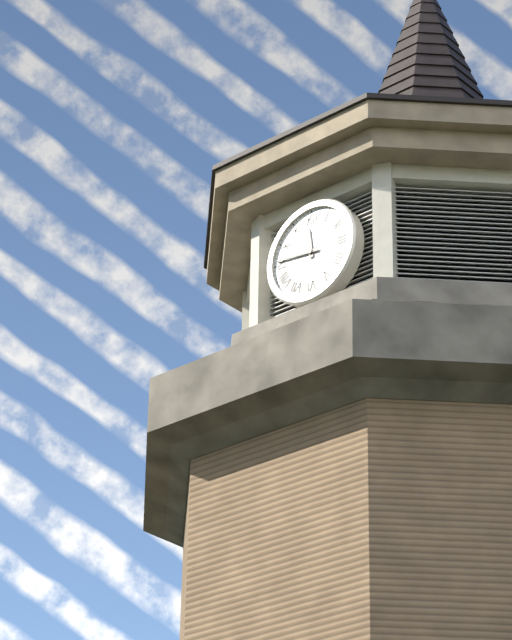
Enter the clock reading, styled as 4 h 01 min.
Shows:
11 h 46 min
